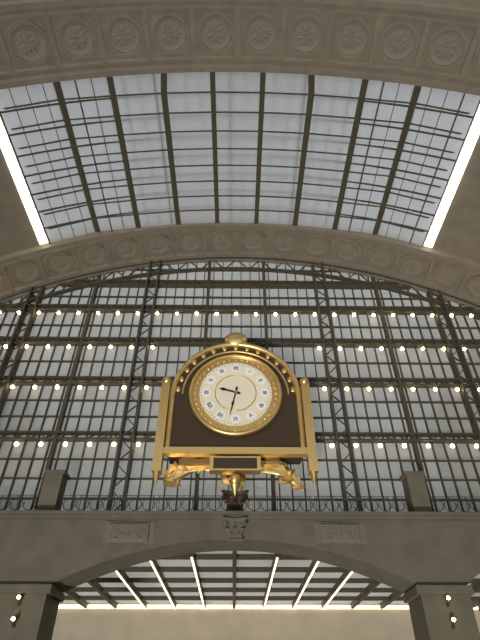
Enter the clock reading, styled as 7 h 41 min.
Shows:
9 h 32 min
